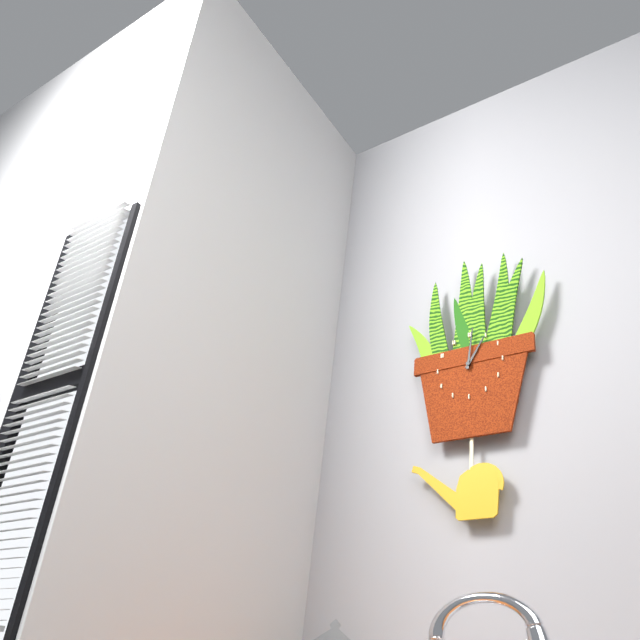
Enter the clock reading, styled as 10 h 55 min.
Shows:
1 h 01 min
